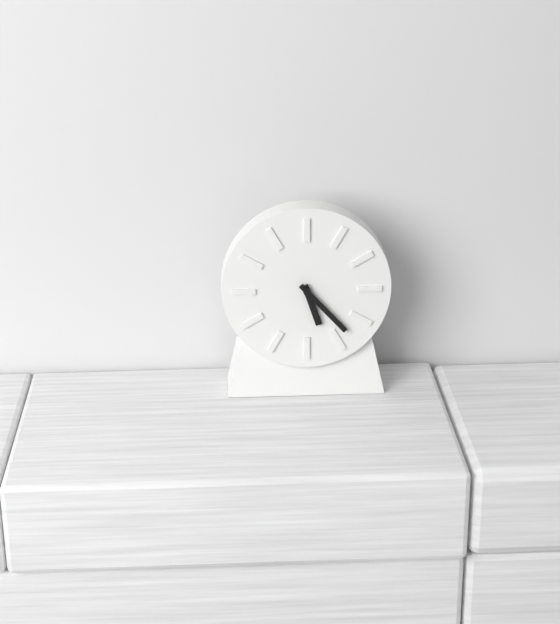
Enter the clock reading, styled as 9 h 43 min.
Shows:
5 h 23 min
